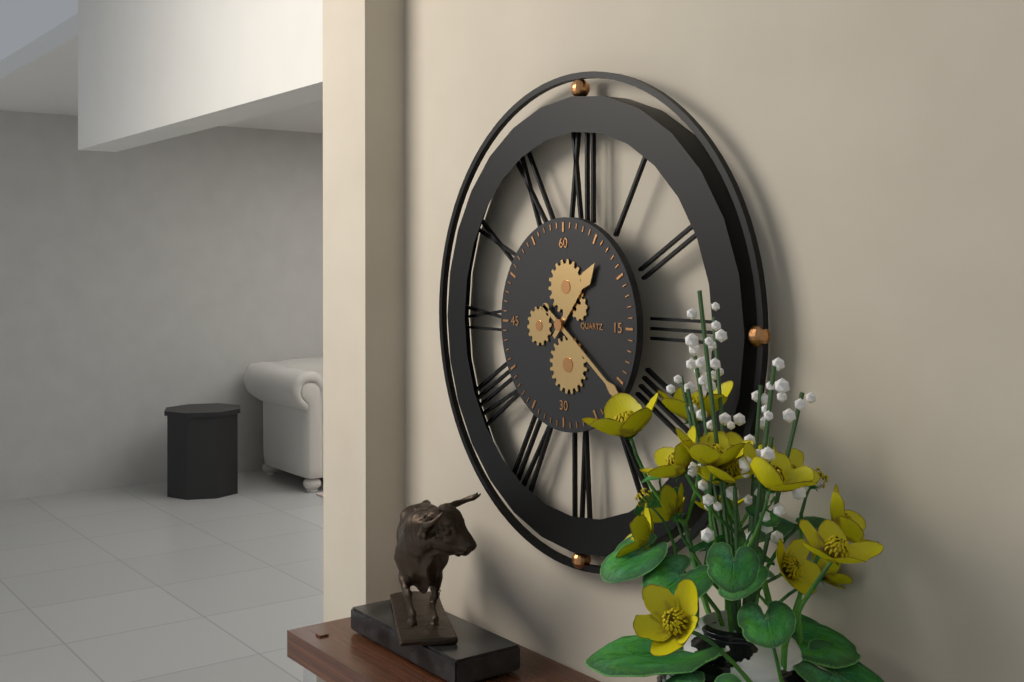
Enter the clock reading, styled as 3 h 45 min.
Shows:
1 h 21 min
